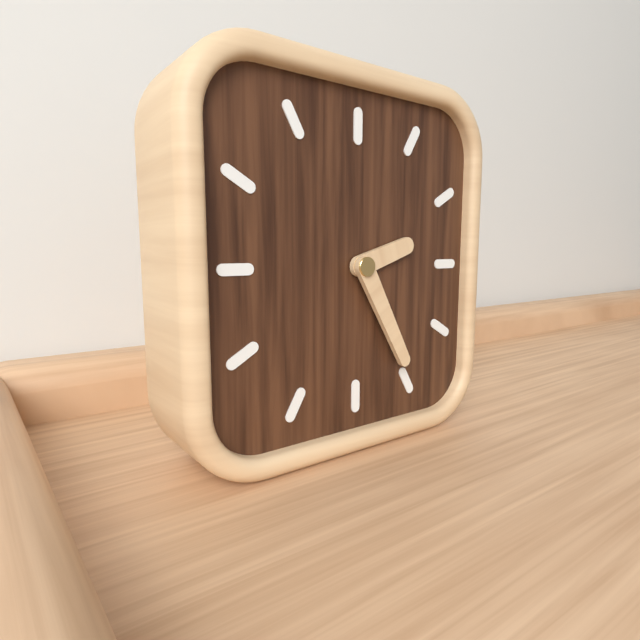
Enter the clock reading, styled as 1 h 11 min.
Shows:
2 h 25 min
